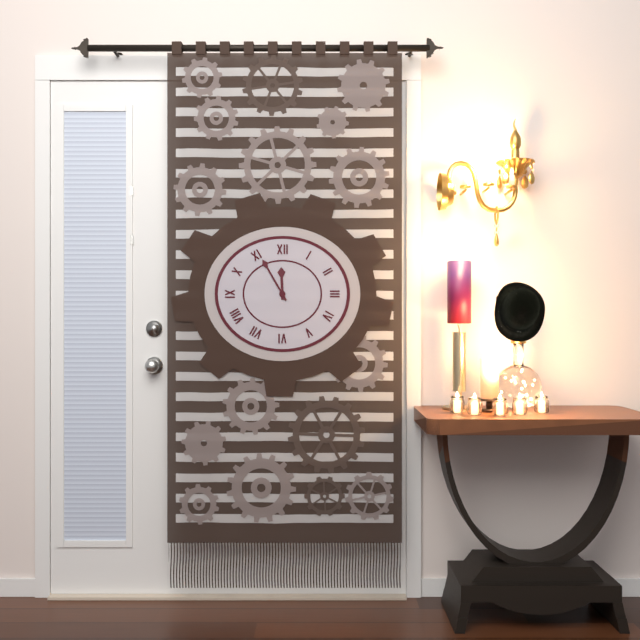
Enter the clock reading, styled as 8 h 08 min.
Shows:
11 h 55 min
